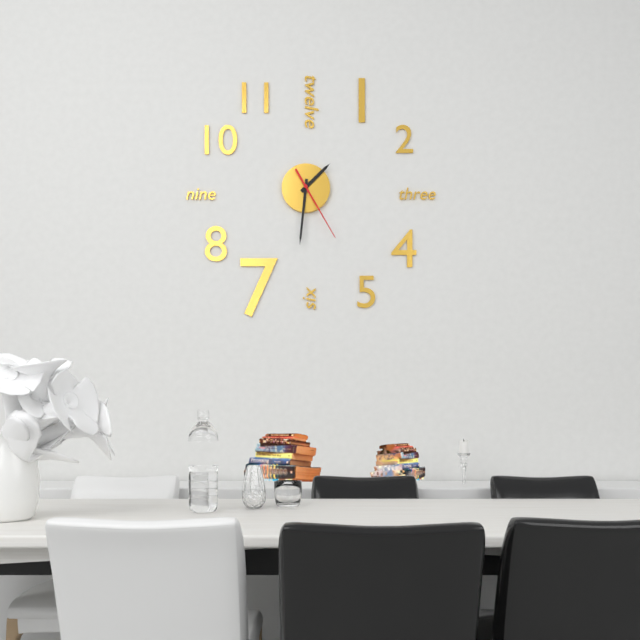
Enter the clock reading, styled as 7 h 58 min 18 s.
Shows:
1 h 31 min 25 s
